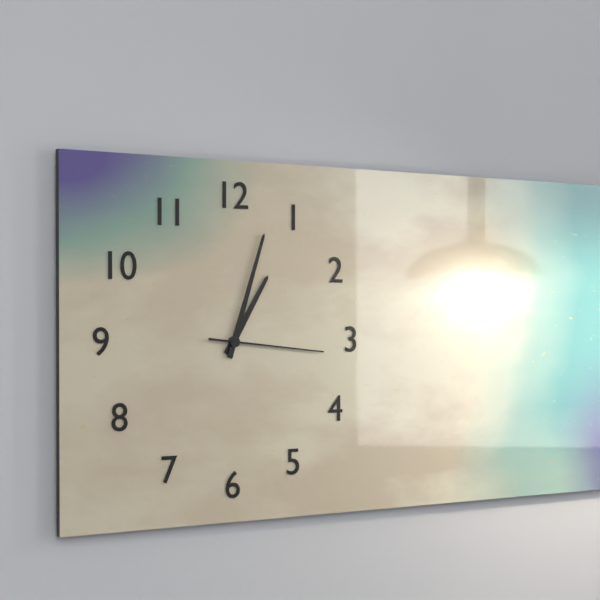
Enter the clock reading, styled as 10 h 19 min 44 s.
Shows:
1 h 03 min 16 s
